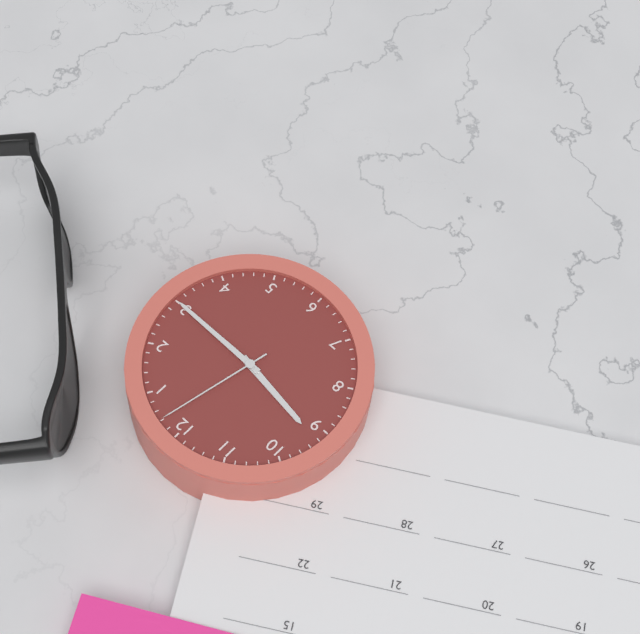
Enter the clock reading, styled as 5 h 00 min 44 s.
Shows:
9 h 15 min 02 s
